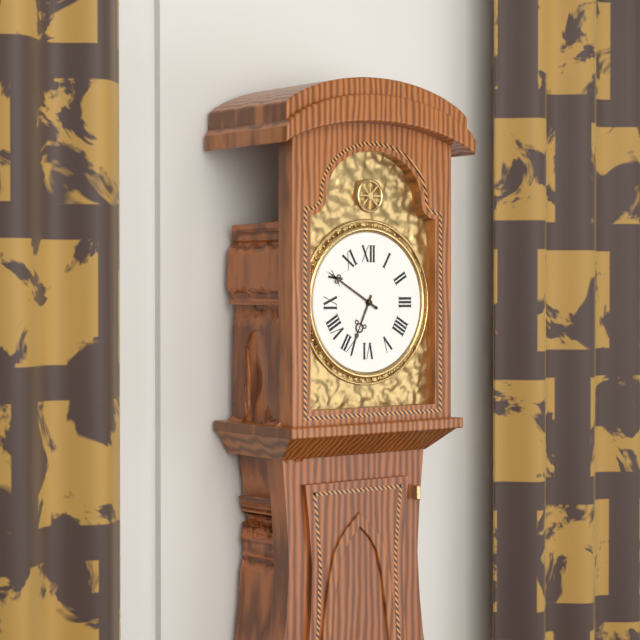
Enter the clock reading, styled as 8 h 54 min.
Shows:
6 h 50 min
